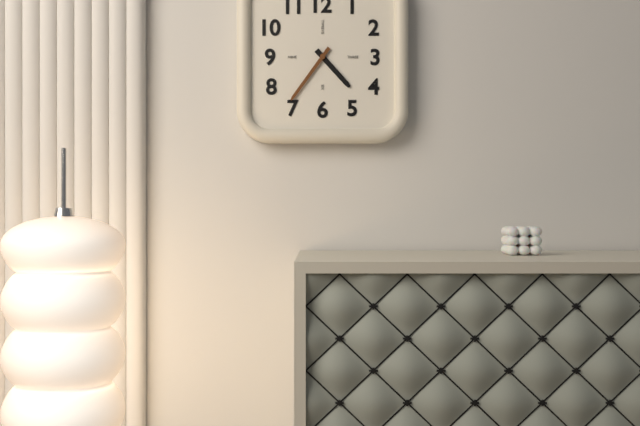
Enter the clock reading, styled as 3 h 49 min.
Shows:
4 h 36 min
